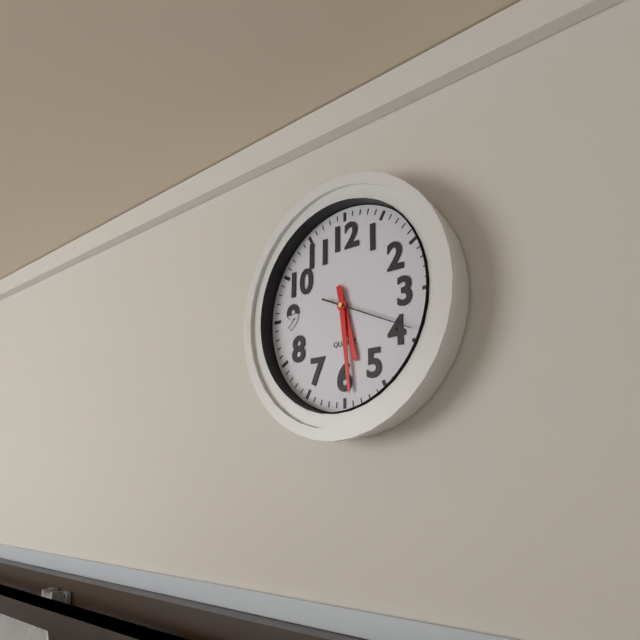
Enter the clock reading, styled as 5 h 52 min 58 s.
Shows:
5 h 29 min 19 s
